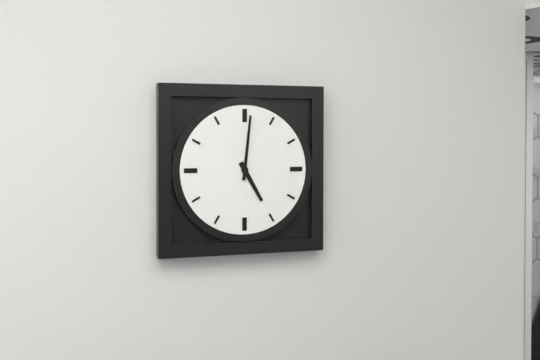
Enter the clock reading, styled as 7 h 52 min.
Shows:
5 h 01 min
